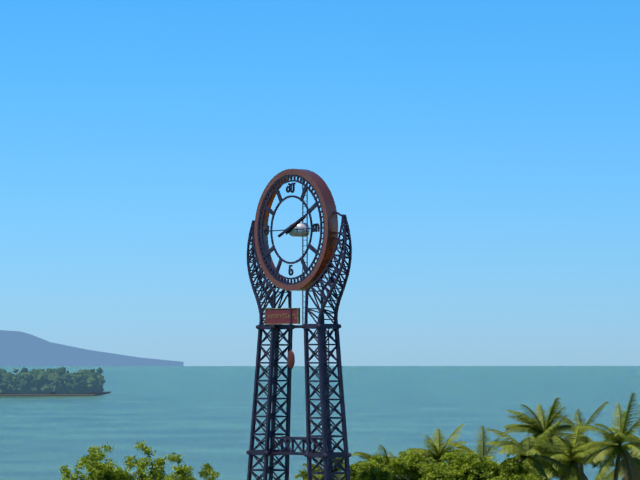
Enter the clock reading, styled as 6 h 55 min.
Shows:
2 h 11 min
